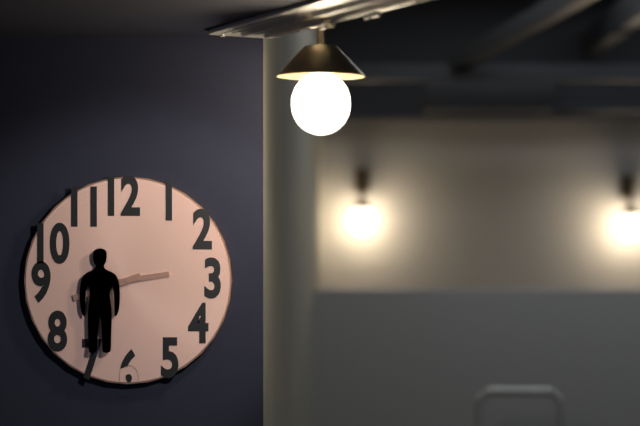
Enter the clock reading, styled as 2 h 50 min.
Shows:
2 h 42 min
